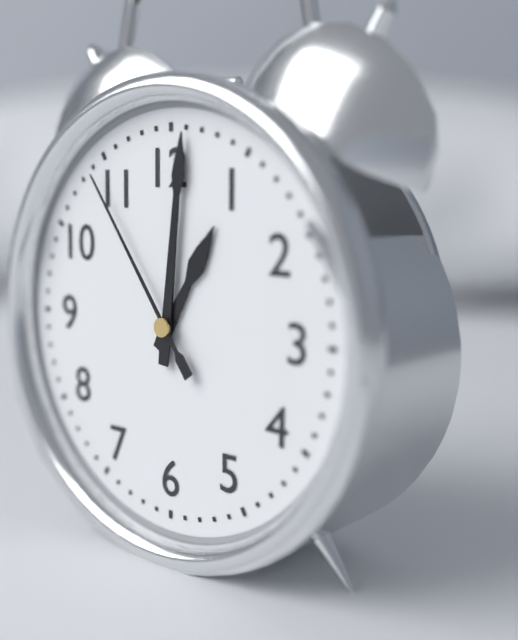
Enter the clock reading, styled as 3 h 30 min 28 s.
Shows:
1 h 01 min 54 s
